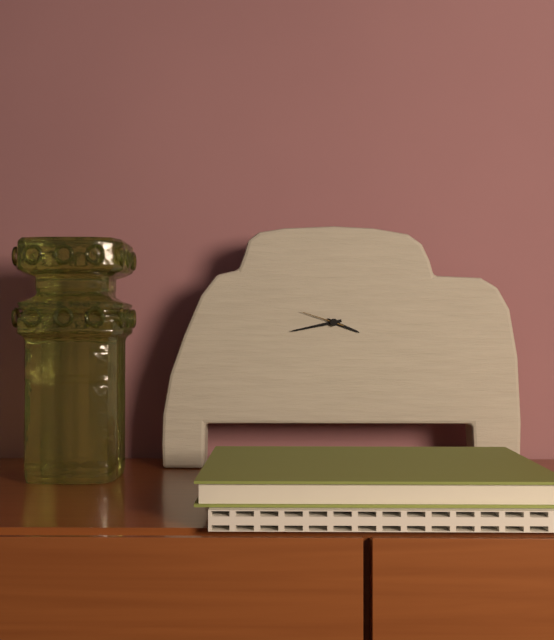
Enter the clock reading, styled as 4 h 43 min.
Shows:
3 h 43 min
